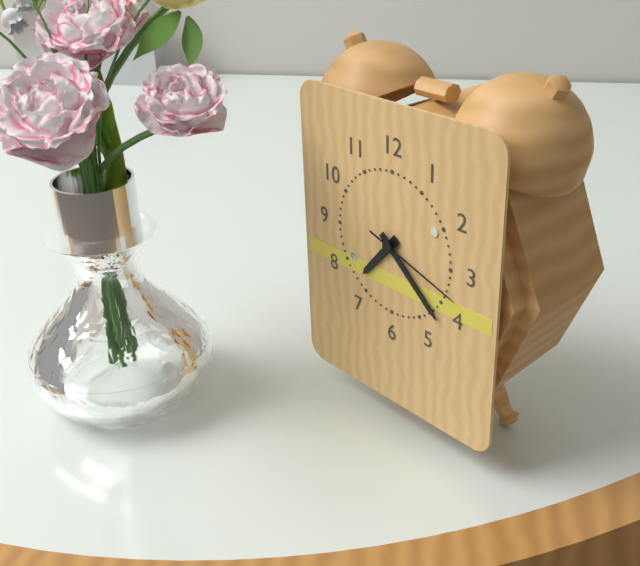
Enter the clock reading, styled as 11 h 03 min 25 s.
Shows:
7 h 22 min 18 s
